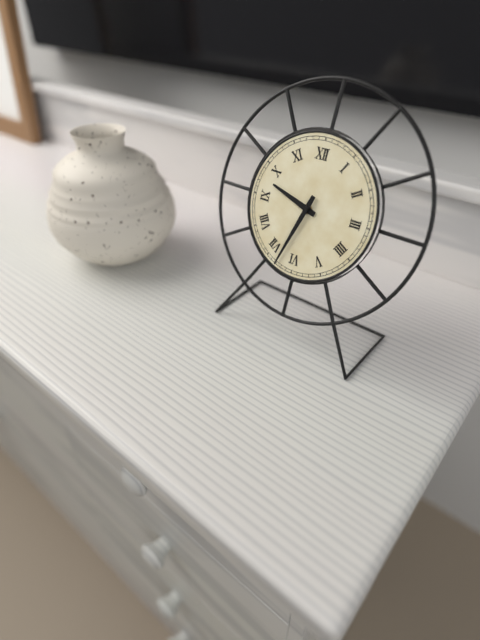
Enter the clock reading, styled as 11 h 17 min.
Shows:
9 h 33 min
